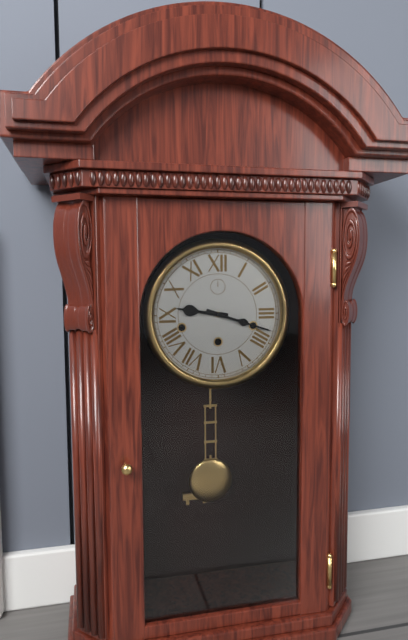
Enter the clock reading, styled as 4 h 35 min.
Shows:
9 h 18 min
